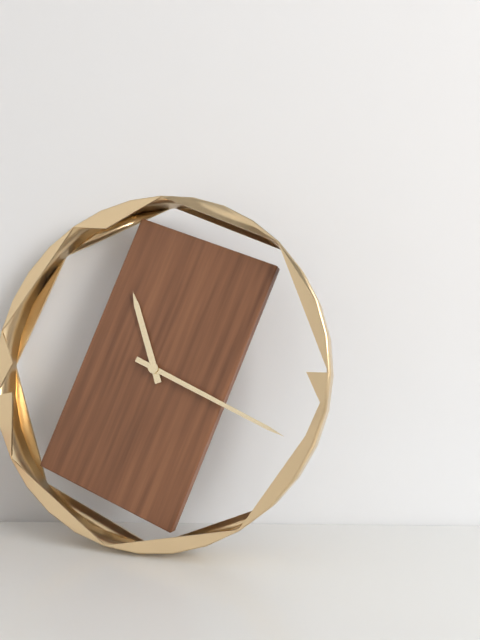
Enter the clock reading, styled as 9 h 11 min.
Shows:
11 h 19 min
